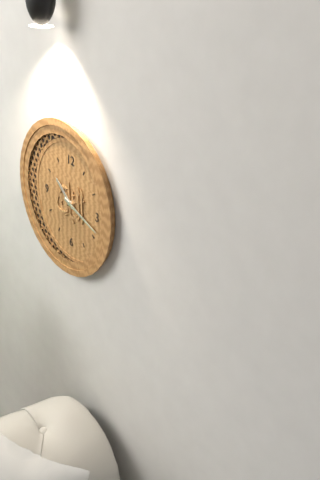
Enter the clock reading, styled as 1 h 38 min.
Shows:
10 h 18 min
